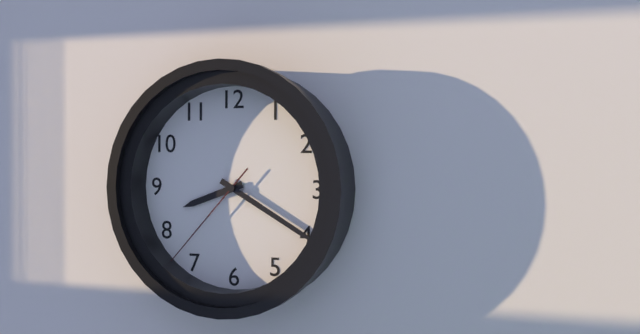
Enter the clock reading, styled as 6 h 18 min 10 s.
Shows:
8 h 20 min 37 s
